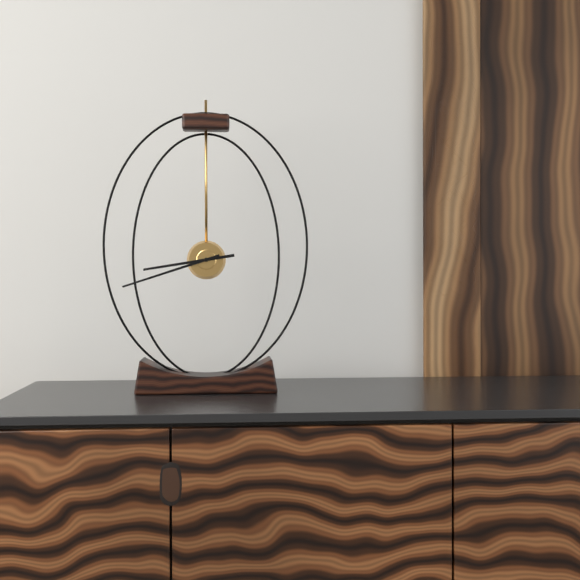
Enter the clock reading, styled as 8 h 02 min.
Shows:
8 h 42 min
